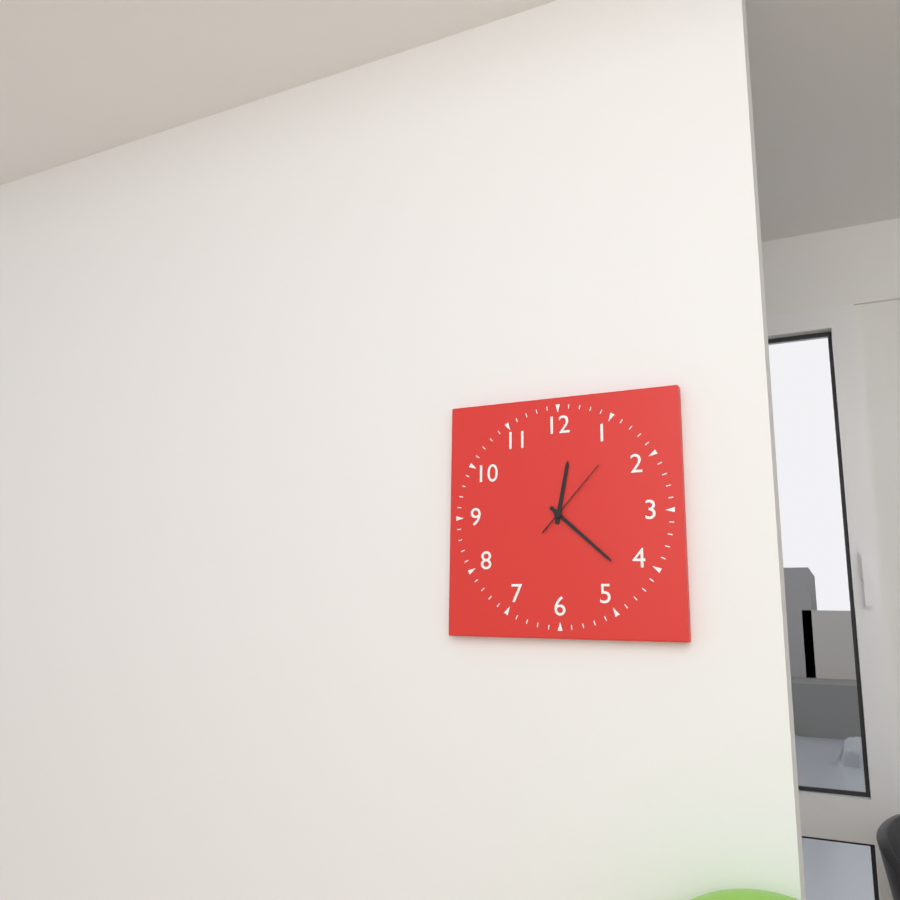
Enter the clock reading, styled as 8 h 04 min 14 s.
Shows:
12 h 22 min 07 s
